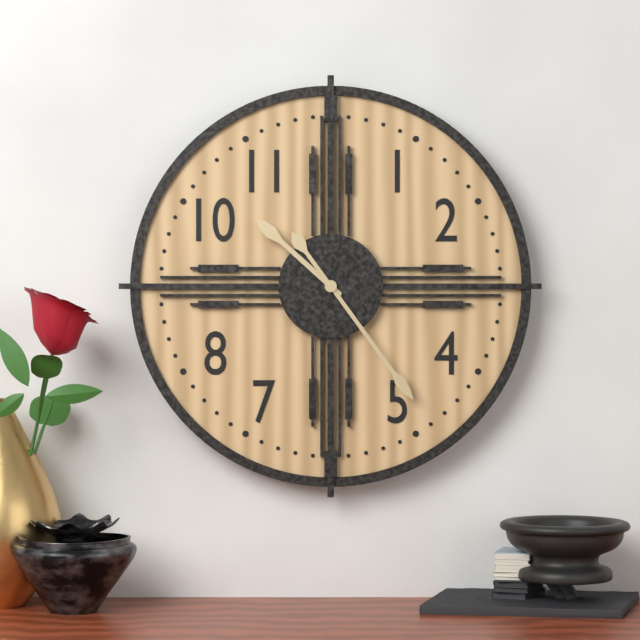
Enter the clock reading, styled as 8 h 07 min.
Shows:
10 h 24 min
